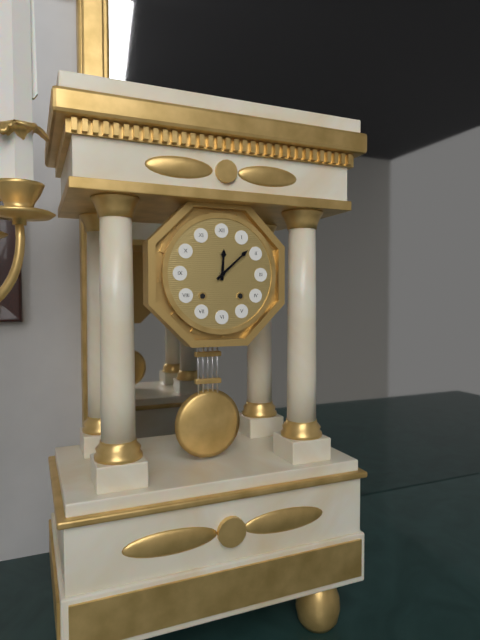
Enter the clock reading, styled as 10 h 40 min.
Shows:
12 h 08 min
